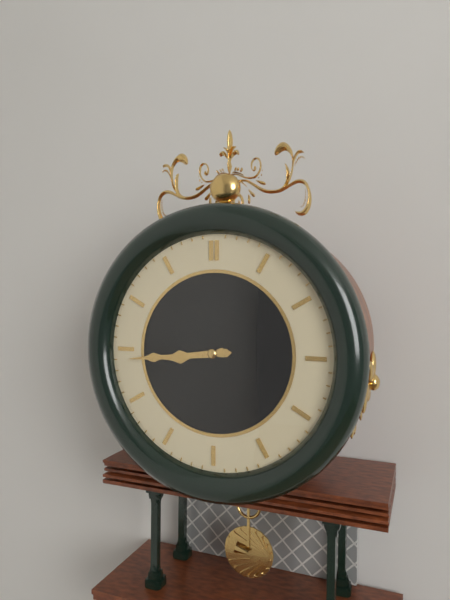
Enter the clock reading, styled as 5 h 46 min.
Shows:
8 h 44 min
